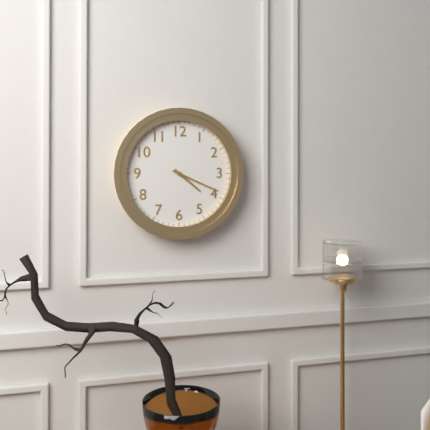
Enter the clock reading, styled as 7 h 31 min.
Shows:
4 h 19 min
